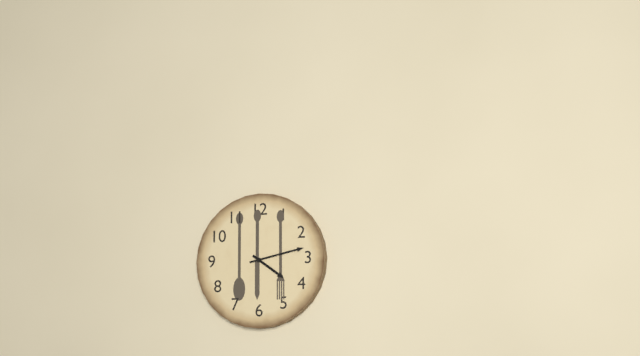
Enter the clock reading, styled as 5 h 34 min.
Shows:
4 h 13 min
